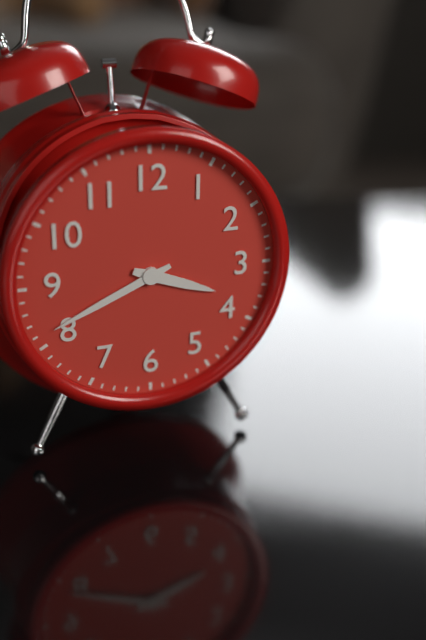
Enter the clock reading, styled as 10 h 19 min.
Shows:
3 h 41 min
